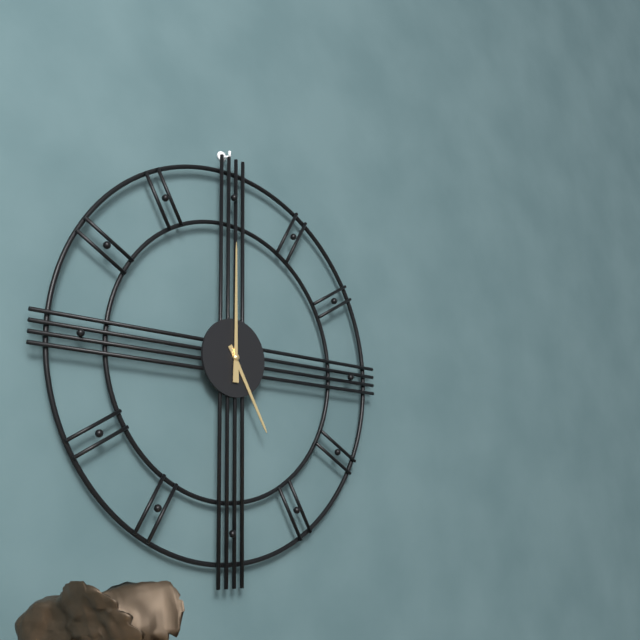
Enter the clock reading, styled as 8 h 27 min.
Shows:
5 h 00 min
